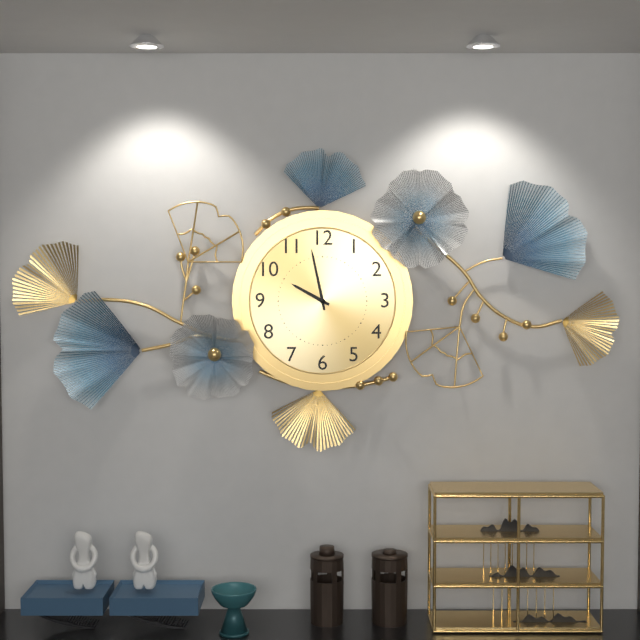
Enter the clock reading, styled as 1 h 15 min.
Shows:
9 h 58 min
